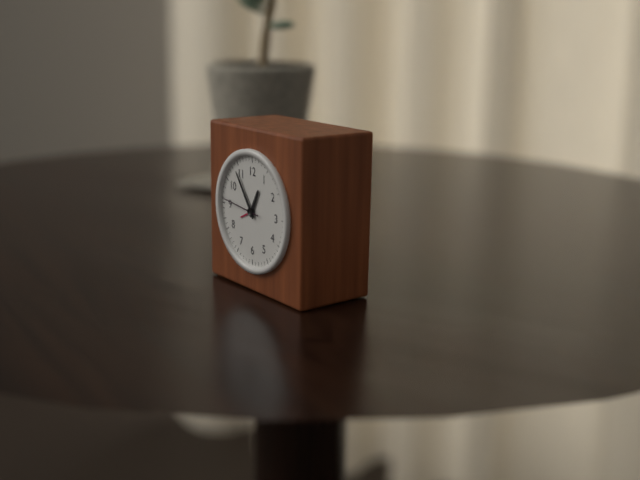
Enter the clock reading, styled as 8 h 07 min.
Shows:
12 h 54 min
